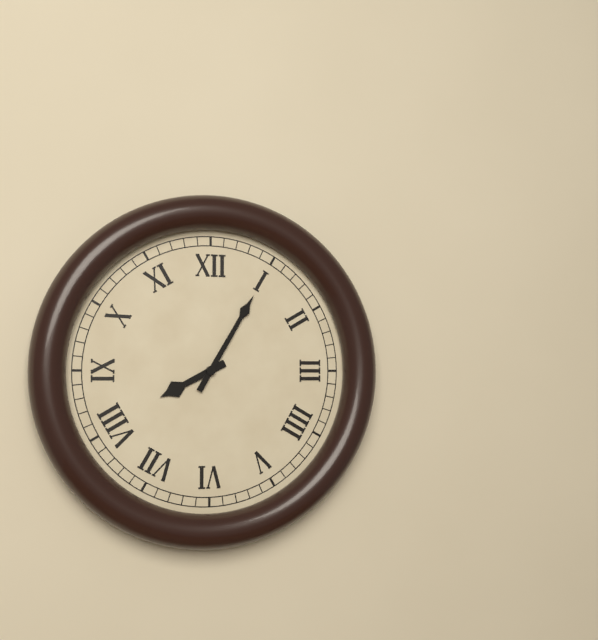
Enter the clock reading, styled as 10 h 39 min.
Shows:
8 h 05 min
